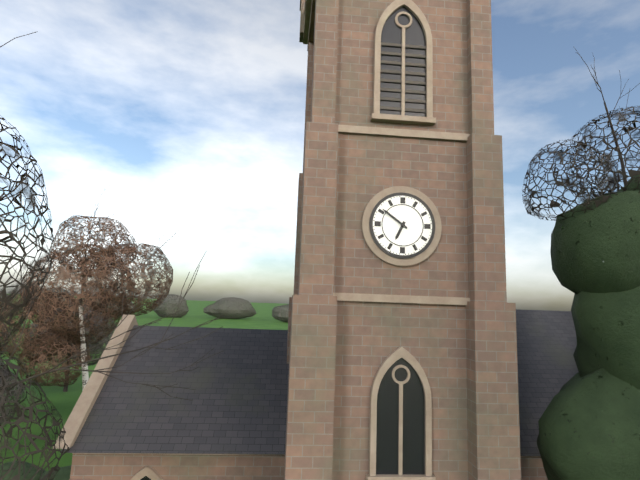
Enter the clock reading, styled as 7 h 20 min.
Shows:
6 h 51 min
